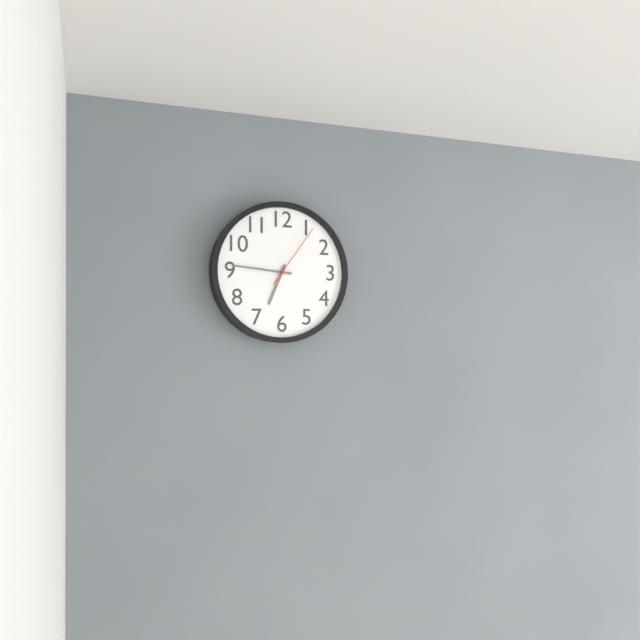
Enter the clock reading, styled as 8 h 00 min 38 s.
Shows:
6 h 46 min 06 s
